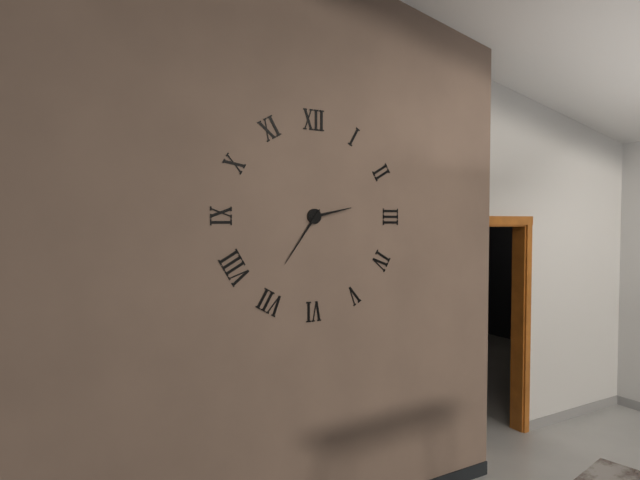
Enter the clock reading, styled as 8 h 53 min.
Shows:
2 h 36 min
